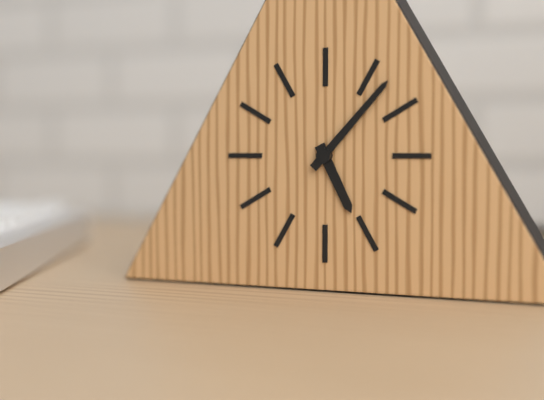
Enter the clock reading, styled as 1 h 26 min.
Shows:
5 h 07 min
